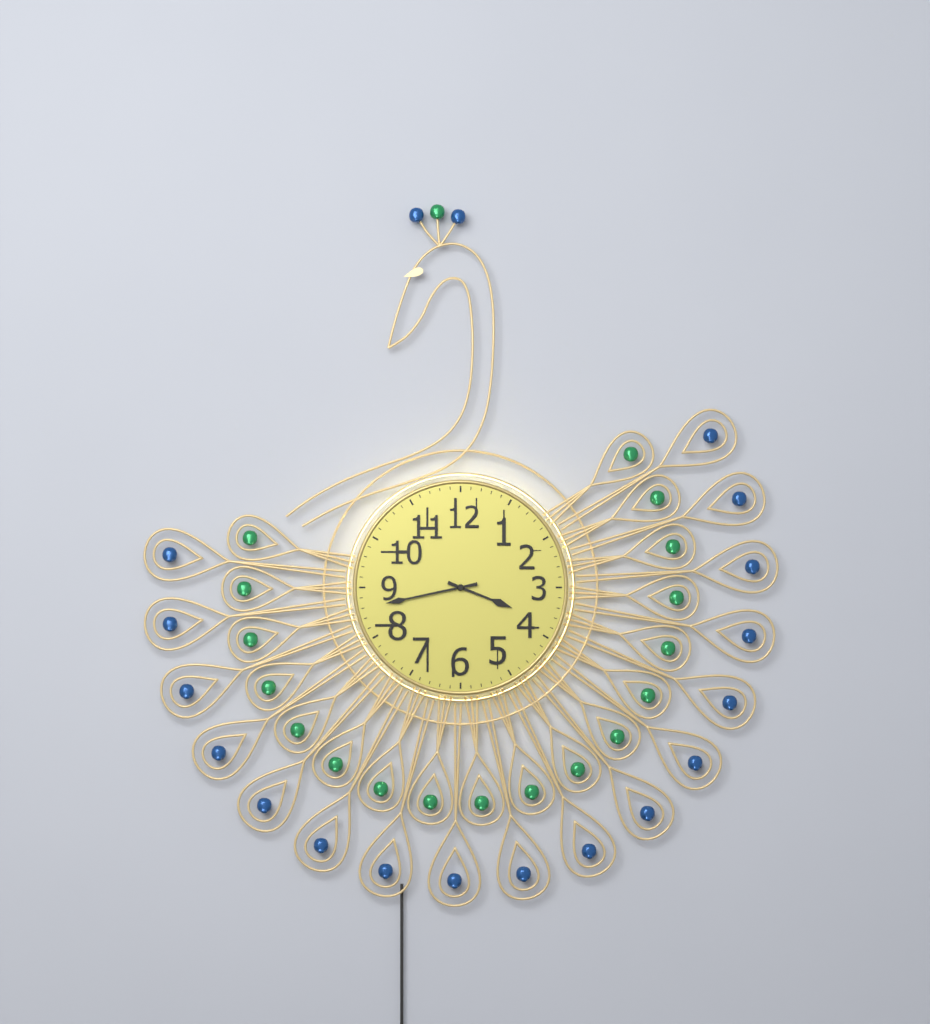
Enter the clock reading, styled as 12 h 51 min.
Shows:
3 h 43 min
